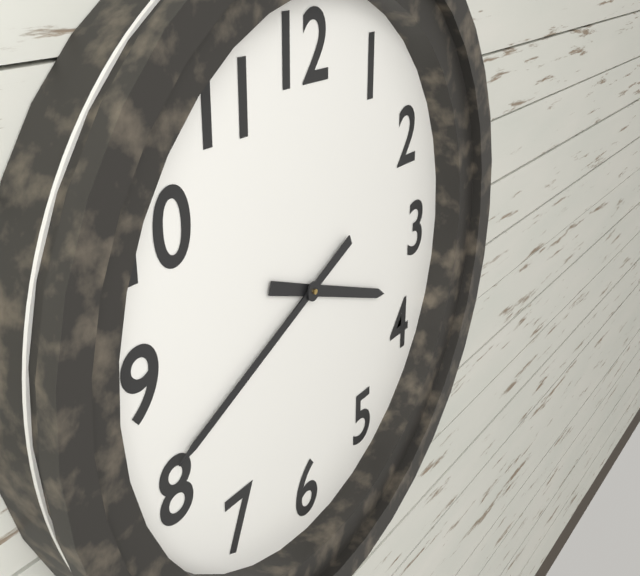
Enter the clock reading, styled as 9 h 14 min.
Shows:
3 h 41 min
